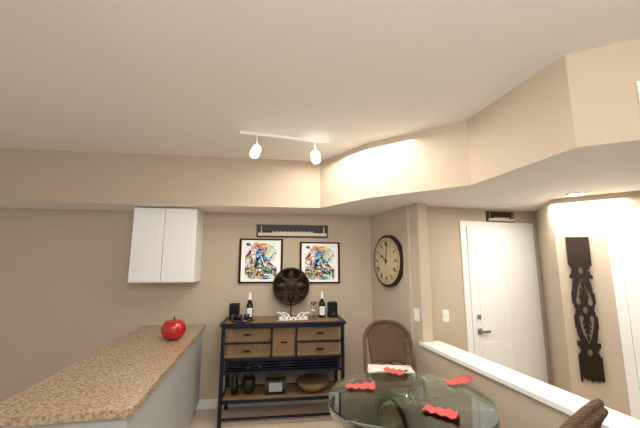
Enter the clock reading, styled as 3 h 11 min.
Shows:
10 h 02 min
